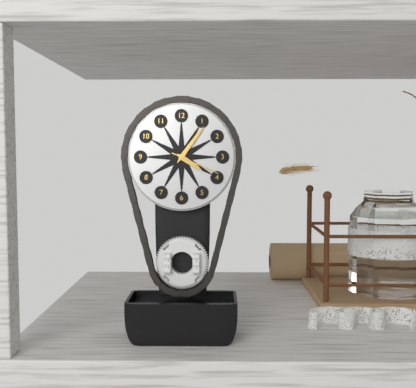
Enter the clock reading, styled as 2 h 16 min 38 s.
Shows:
4 h 06 min 19 s
